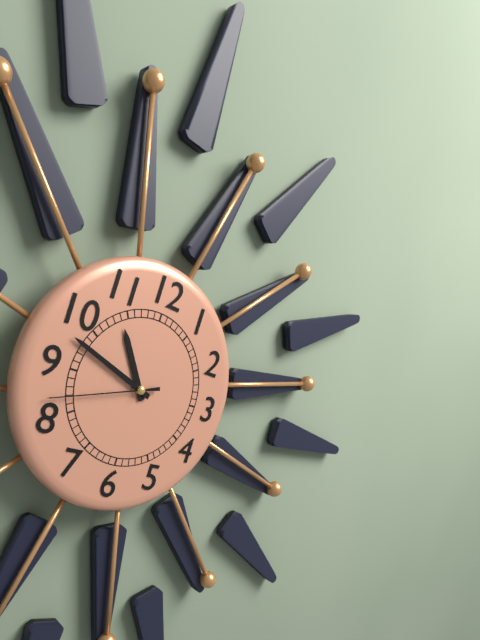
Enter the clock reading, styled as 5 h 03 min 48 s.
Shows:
10 h 48 min 42 s
